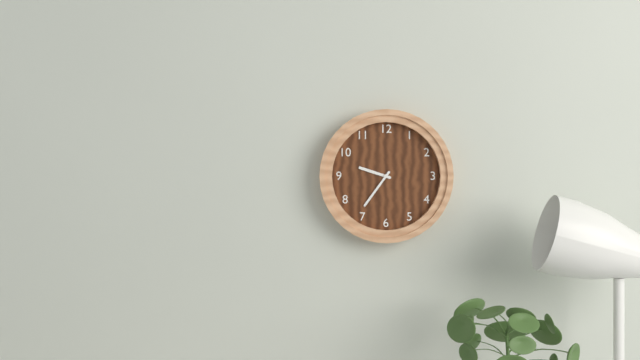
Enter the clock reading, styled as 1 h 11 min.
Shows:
9 h 36 min
